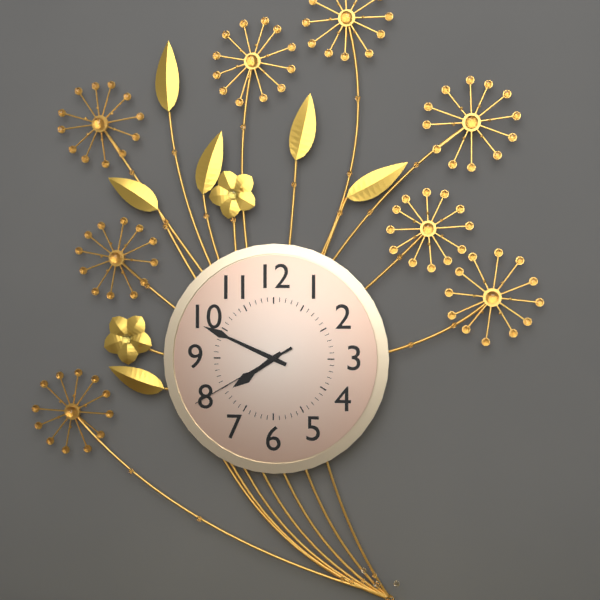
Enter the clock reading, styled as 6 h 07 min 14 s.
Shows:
7 h 49 min 40 s
